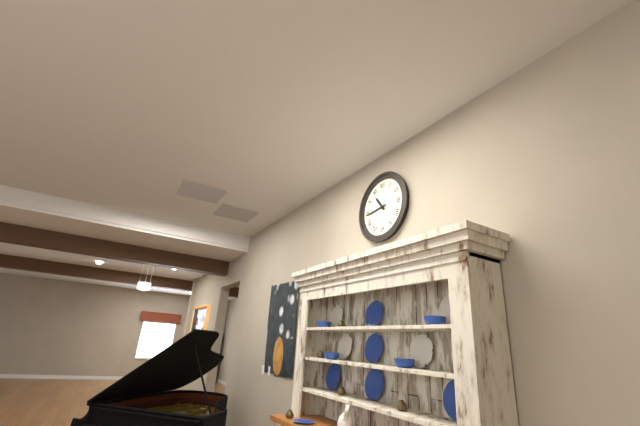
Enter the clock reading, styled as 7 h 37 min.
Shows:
10 h 44 min
